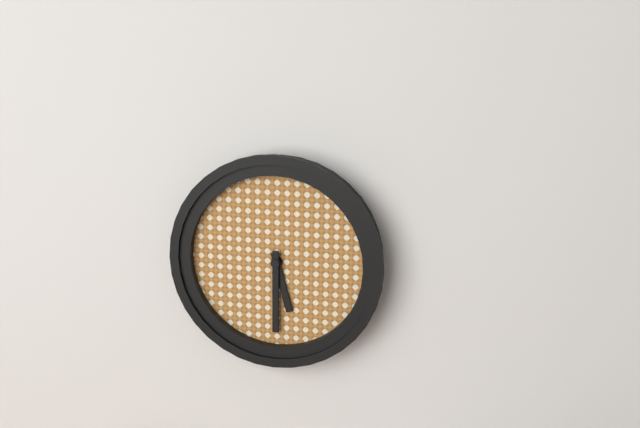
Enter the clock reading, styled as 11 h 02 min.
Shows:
5 h 30 min
